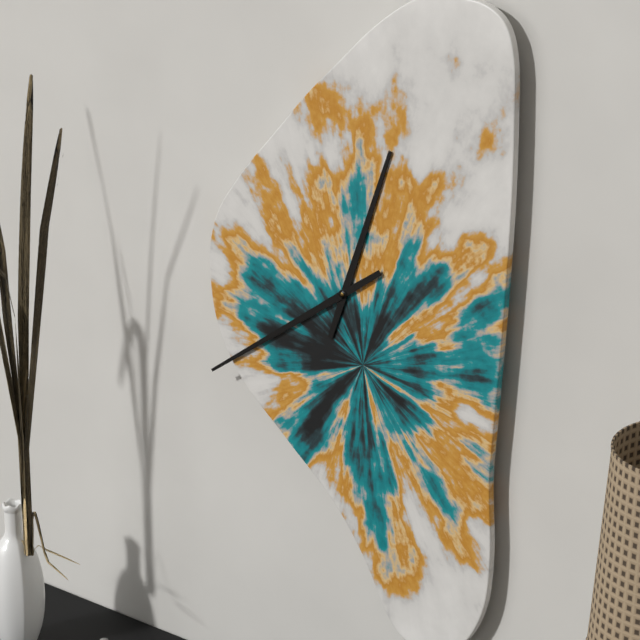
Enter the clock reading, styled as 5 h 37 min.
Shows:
12 h 39 min
